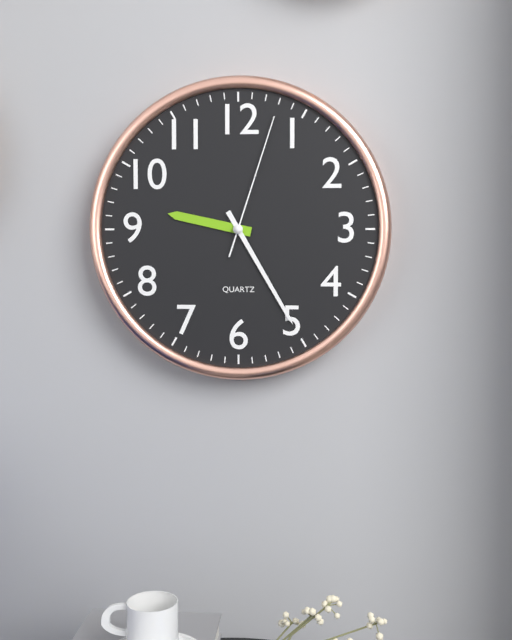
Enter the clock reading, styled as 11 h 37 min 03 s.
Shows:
9 h 25 min 03 s
